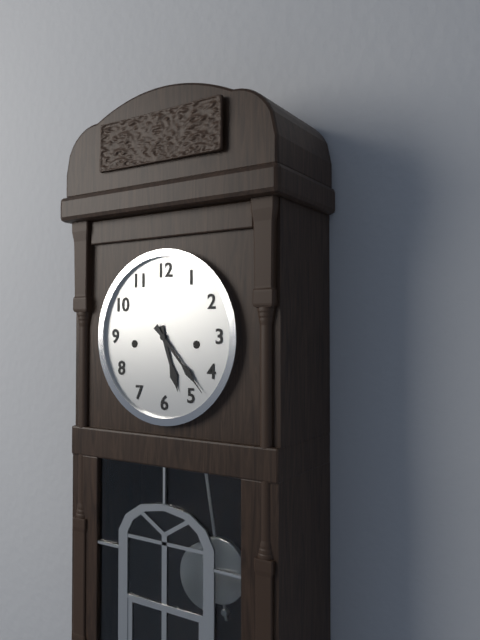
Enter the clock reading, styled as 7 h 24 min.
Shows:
5 h 23 min
